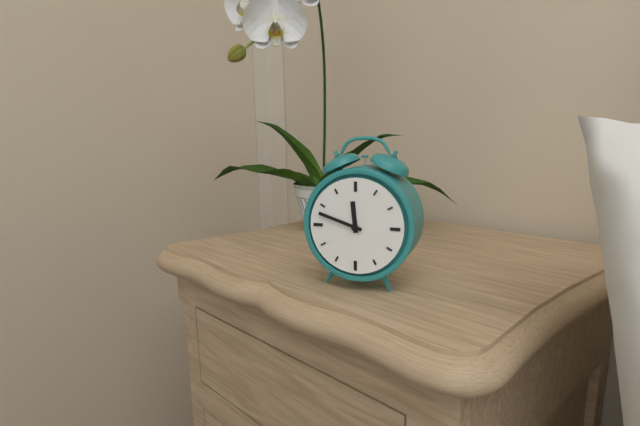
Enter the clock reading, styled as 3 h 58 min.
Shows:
11 h 48 min
